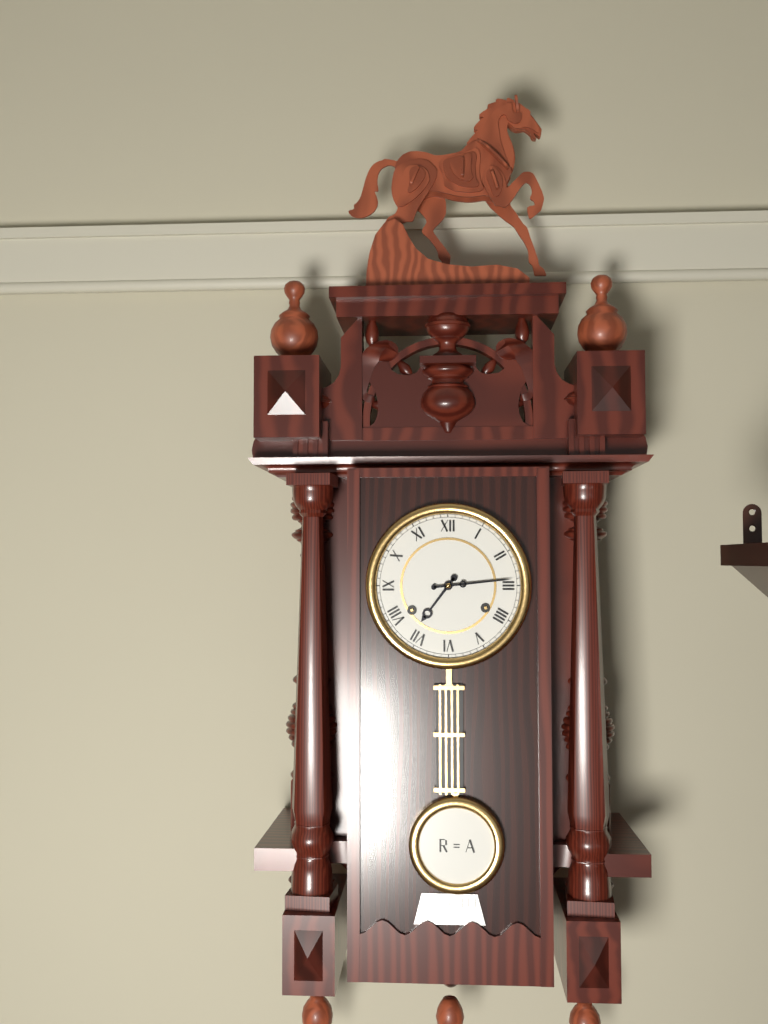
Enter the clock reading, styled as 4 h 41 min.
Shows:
7 h 14 min
